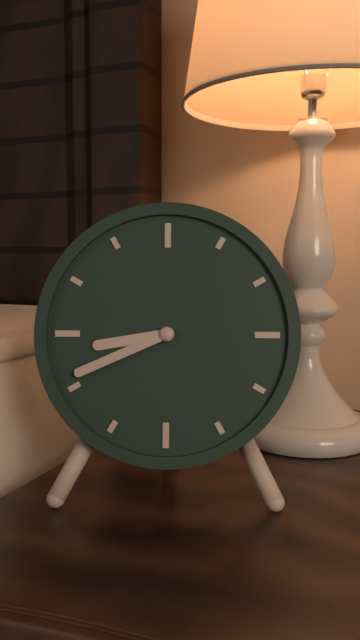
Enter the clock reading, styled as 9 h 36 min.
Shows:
8 h 41 min
